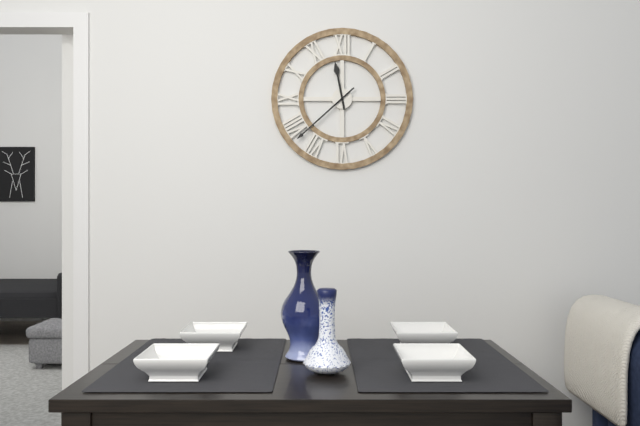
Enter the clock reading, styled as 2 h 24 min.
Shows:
11 h 38 min
